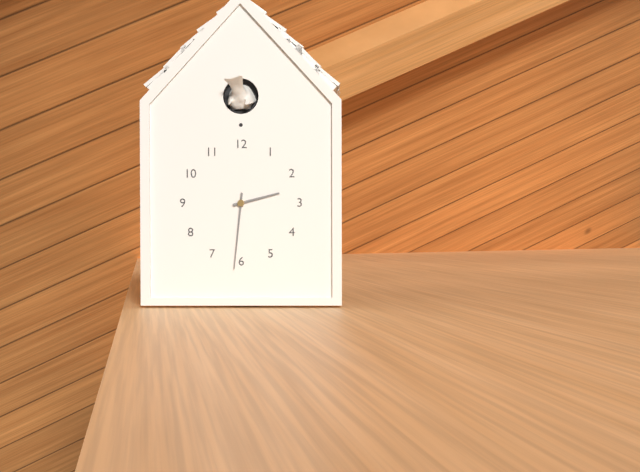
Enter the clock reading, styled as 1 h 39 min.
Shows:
2 h 31 min
